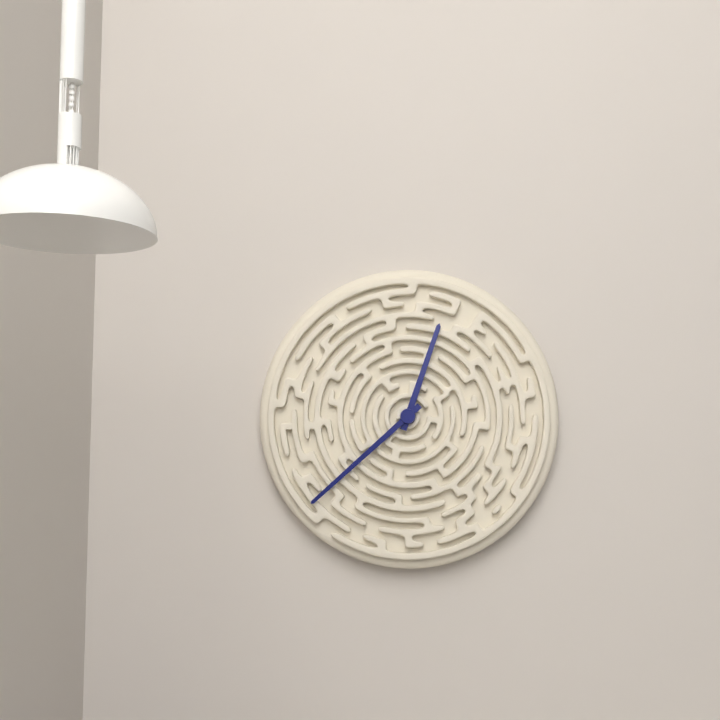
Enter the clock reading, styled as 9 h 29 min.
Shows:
12 h 38 min
